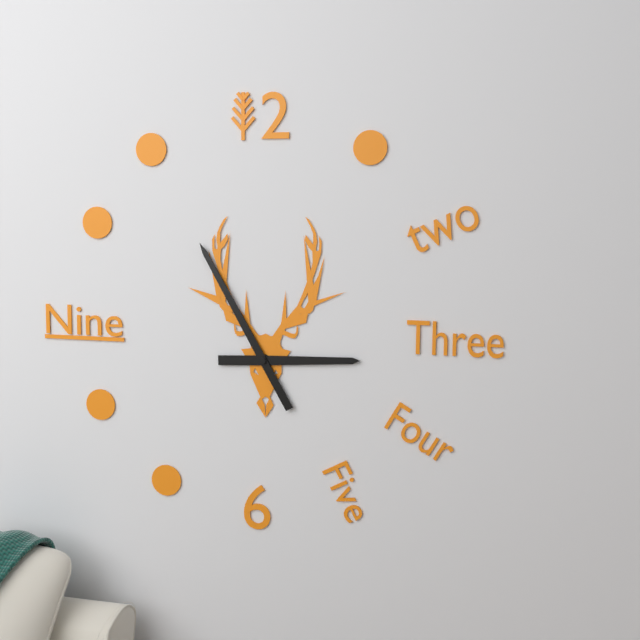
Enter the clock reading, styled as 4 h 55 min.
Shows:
2 h 55 min
